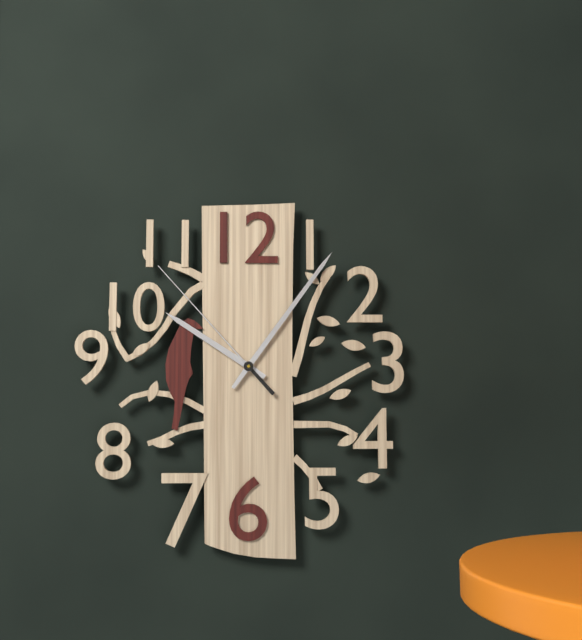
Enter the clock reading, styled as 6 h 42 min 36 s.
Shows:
10 h 06 min 53 s
